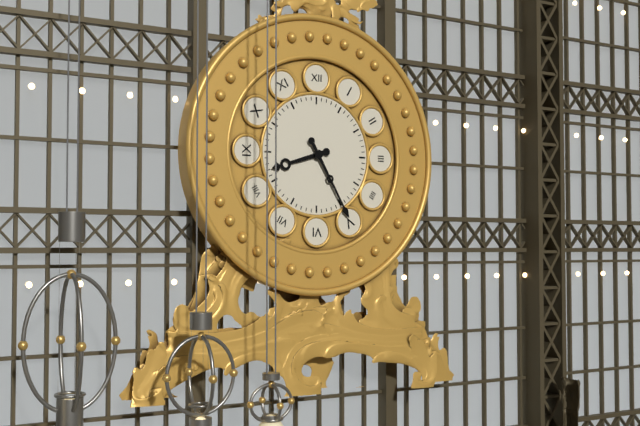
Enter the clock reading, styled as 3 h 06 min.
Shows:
8 h 25 min
